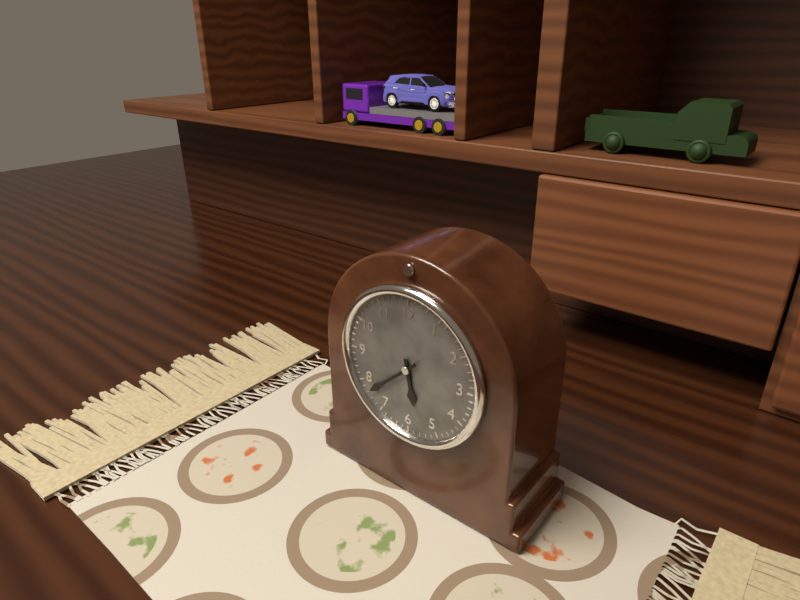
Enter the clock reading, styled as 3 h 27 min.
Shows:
5 h 38 min
